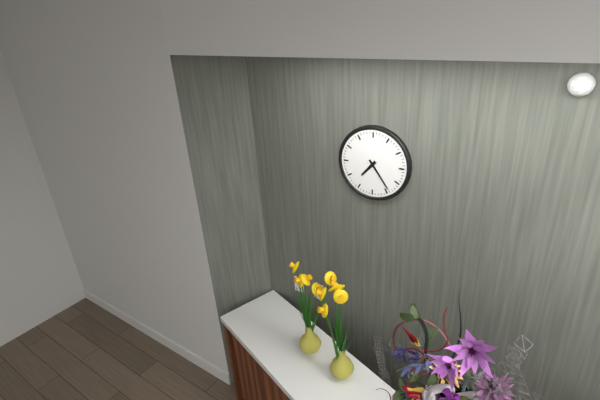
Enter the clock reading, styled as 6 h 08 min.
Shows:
7 h 24 min
